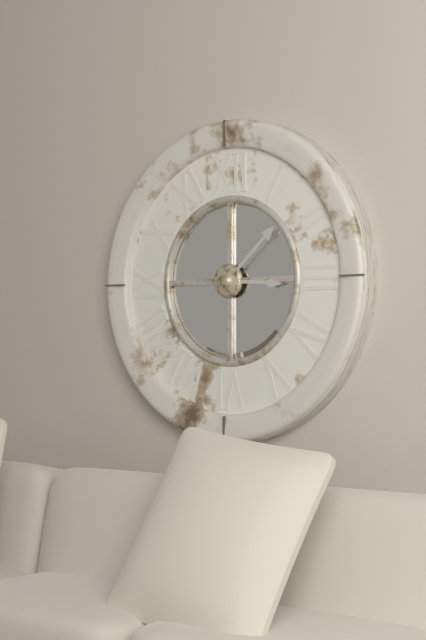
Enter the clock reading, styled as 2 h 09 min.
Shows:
3 h 08 min
